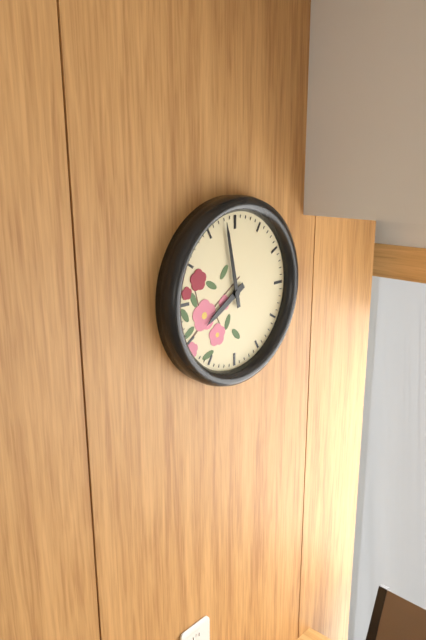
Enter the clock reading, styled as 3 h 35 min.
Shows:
7 h 58 min
